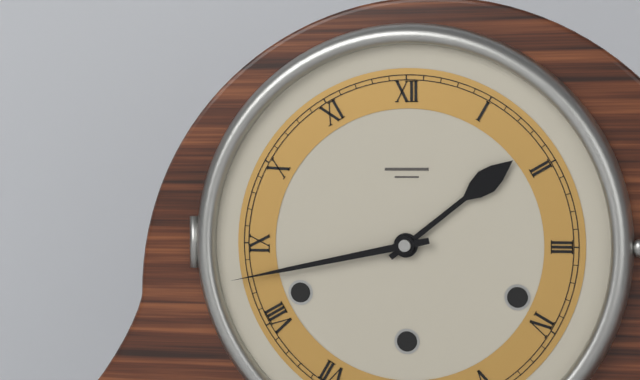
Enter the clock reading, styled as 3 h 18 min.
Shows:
1 h 43 min
